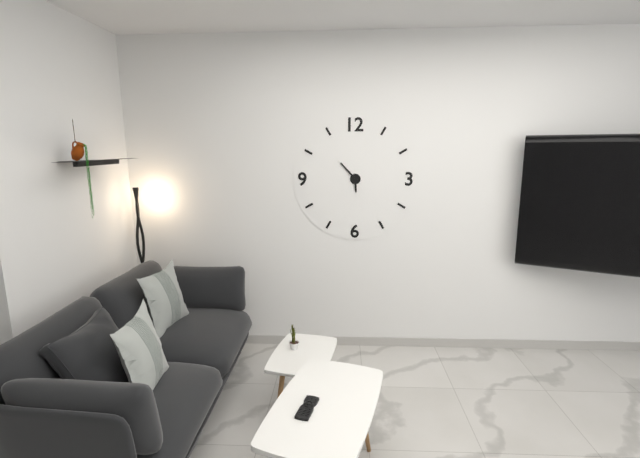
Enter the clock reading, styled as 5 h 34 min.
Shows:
5 h 53 min
